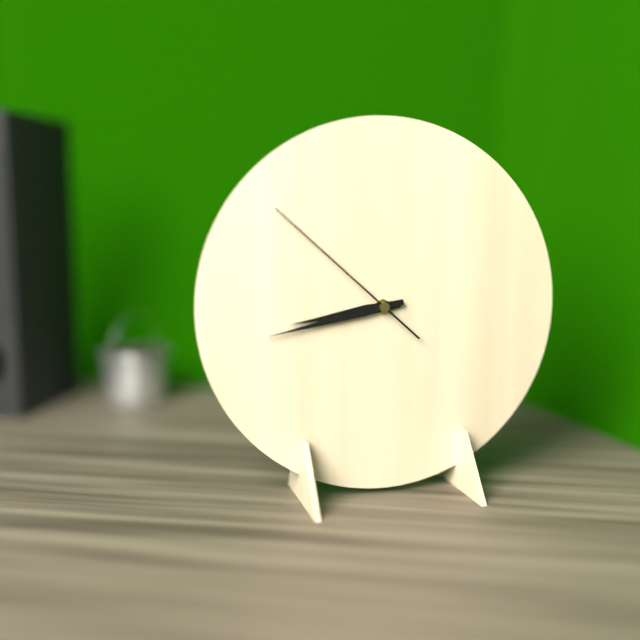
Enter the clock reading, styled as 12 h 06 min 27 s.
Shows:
8 h 43 min 52 s
